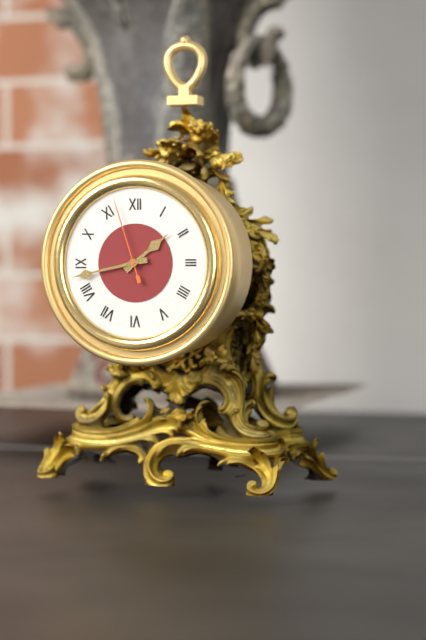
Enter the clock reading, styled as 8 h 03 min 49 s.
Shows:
1 h 43 min 57 s
